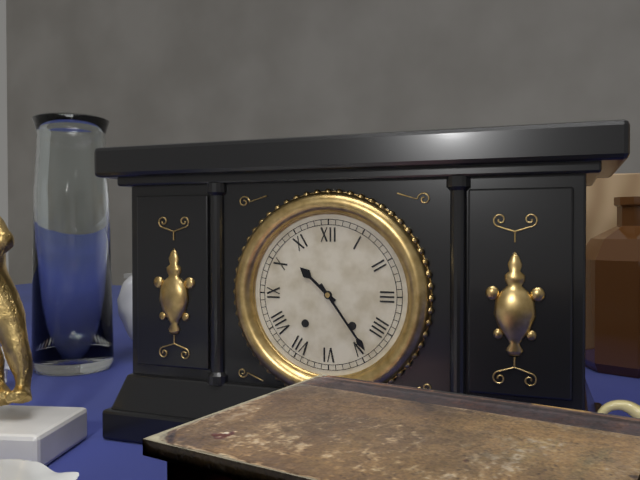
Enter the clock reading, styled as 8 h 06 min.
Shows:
10 h 24 min
